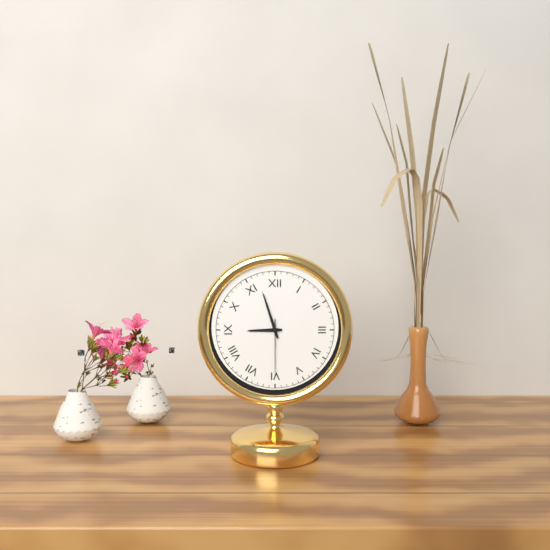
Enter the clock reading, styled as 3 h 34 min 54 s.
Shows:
8 h 57 min 30 s
